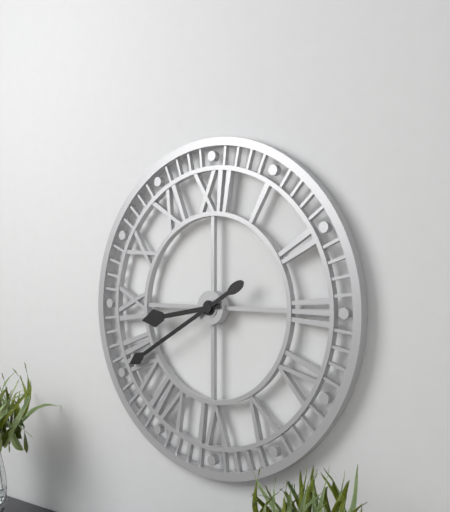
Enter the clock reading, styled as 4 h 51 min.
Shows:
8 h 40 min
